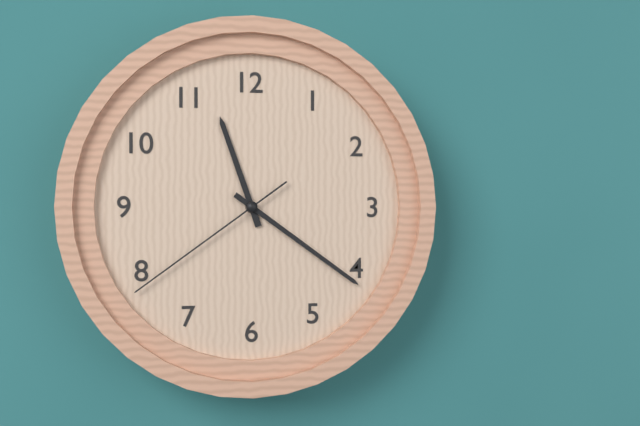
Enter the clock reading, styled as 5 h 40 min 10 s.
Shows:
11 h 21 min 39 s
